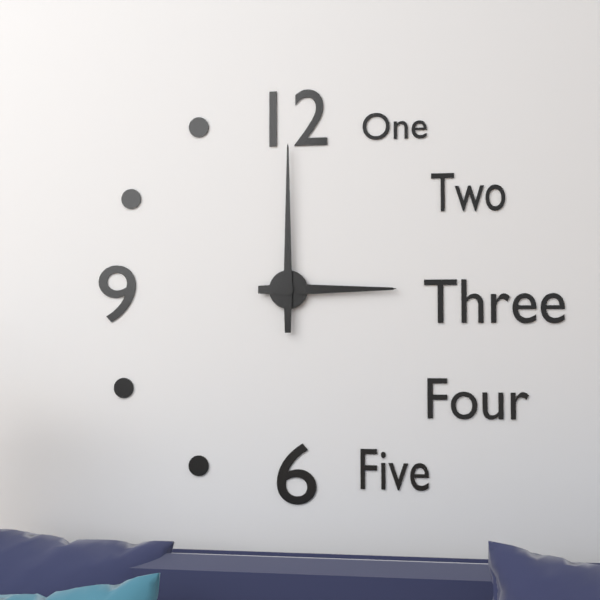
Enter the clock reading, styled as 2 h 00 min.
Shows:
3 h 00 min
